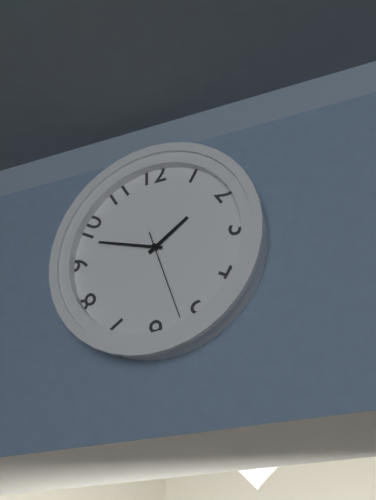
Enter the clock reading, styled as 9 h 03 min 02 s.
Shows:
1 h 48 min 27 s
